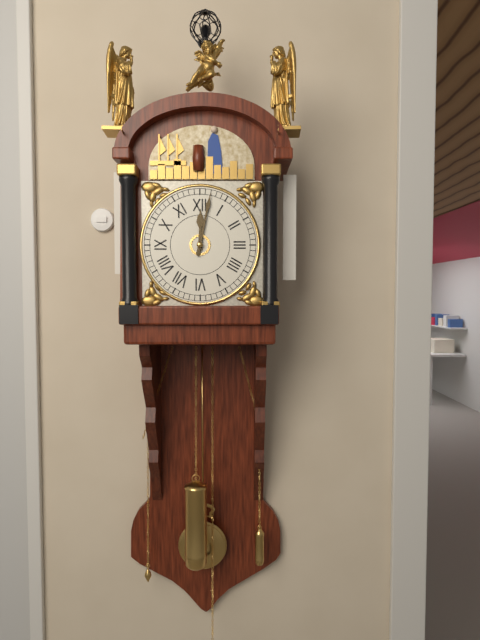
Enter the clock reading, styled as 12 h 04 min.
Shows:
12 h 02 min
